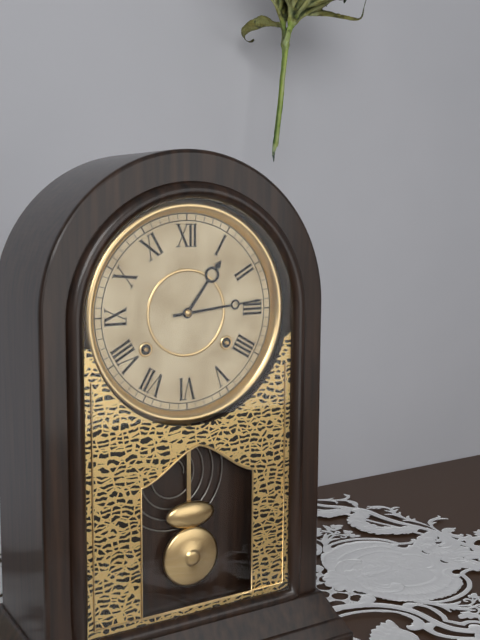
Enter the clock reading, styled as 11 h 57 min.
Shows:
1 h 14 min
